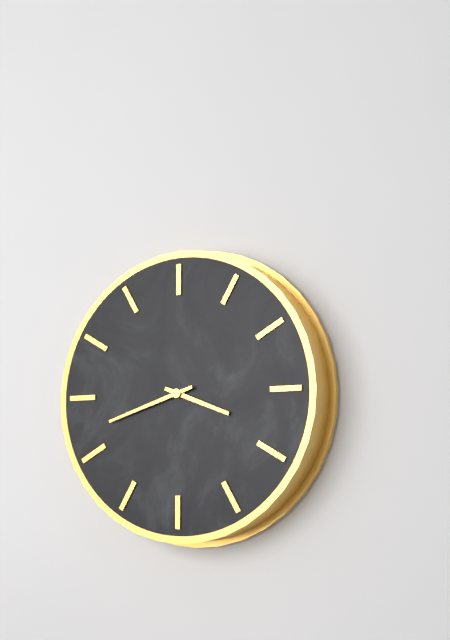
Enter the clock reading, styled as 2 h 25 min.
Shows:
3 h 42 min
